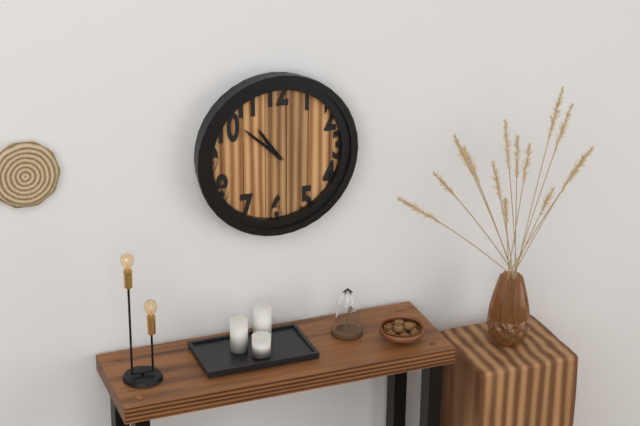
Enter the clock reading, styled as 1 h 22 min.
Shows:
10 h 52 min
